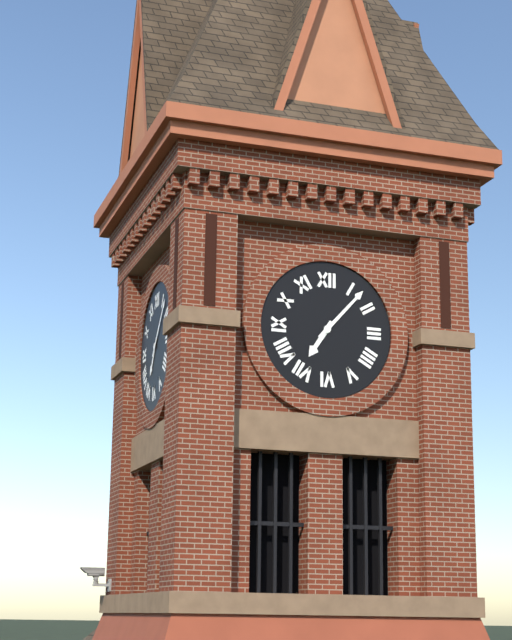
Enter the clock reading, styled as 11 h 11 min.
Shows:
7 h 07 min
